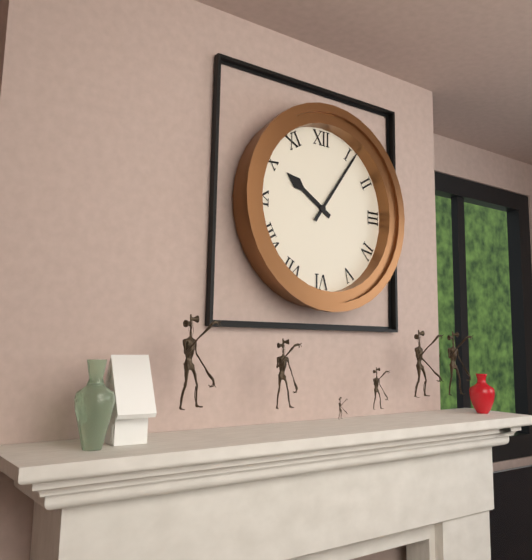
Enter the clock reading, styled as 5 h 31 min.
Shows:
10 h 06 min
